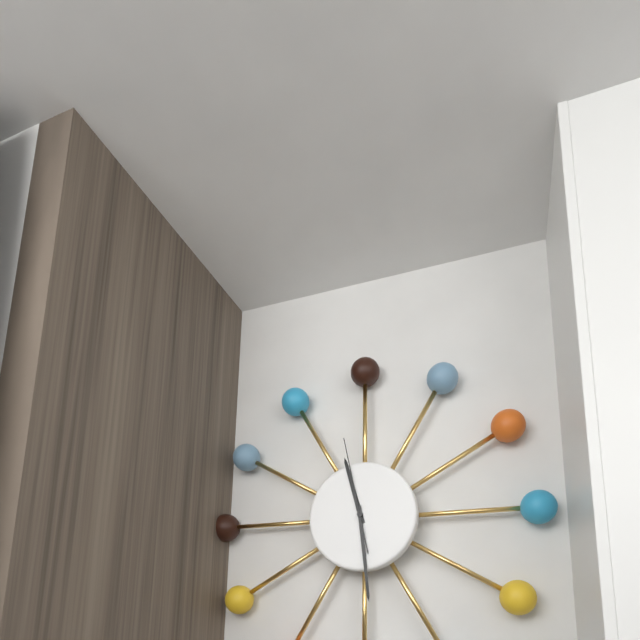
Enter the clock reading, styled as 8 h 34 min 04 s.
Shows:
11 h 29 min 58 s
